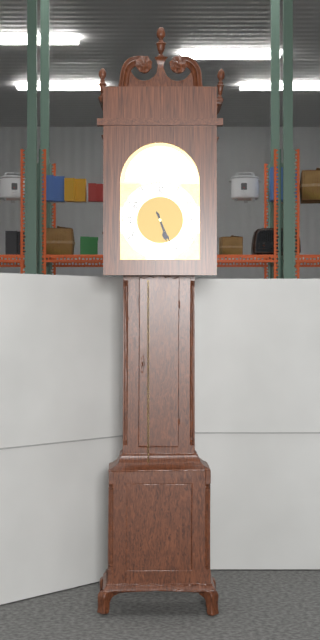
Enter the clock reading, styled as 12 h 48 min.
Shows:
5 h 26 min
